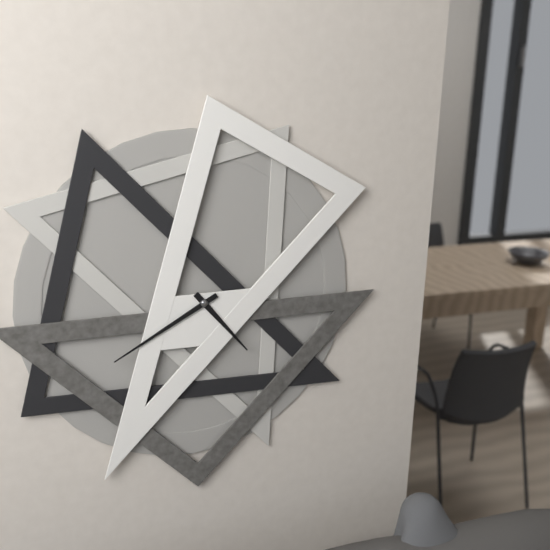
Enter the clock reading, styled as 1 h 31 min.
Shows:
4 h 40 min
